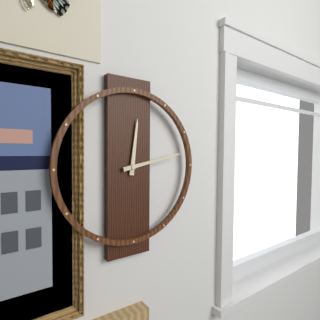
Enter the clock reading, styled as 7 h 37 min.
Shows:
12 h 13 min
